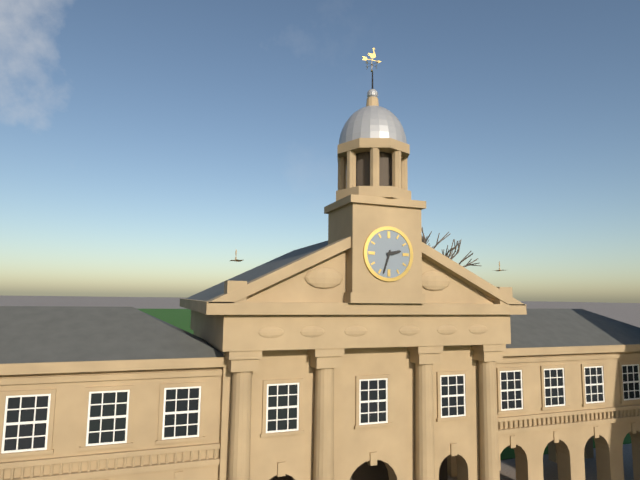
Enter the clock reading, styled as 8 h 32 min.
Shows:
2 h 33 min
